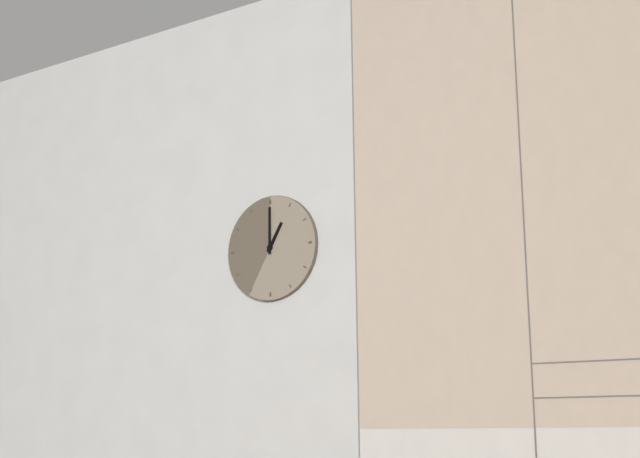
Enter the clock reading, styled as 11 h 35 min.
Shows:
1 h 00 min
